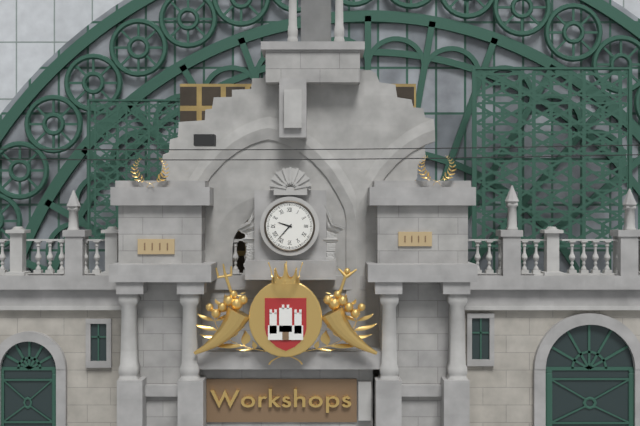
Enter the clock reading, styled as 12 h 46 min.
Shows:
9 h 37 min
